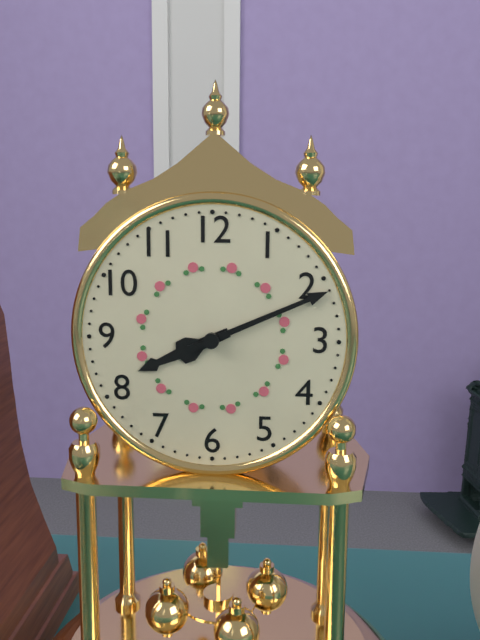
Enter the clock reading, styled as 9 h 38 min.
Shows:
8 h 11 min
